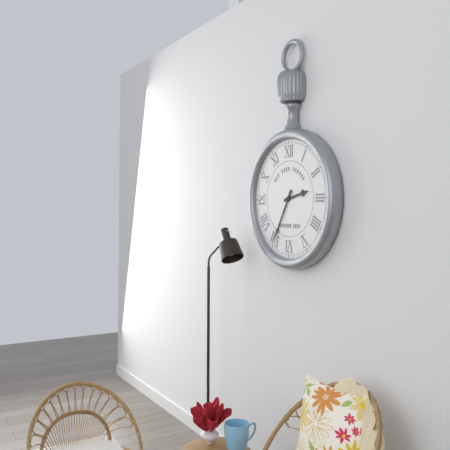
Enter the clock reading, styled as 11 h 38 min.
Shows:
2 h 35 min
